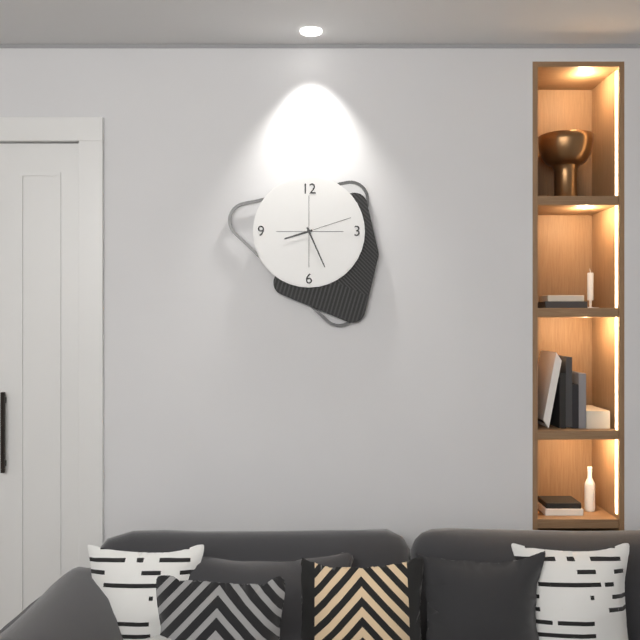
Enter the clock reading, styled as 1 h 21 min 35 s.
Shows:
8 h 26 min 12 s
